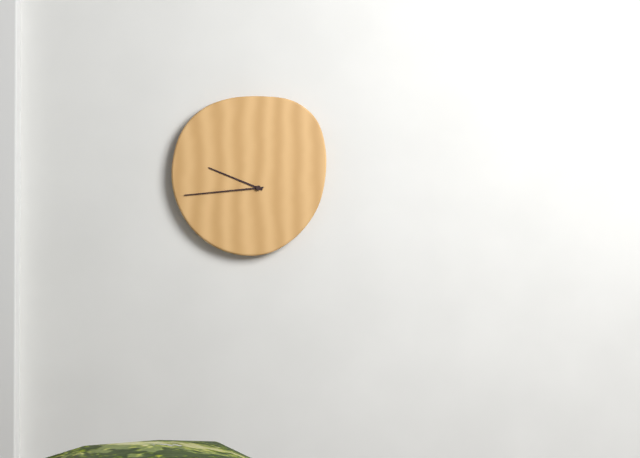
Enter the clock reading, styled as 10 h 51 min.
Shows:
9 h 44 min
